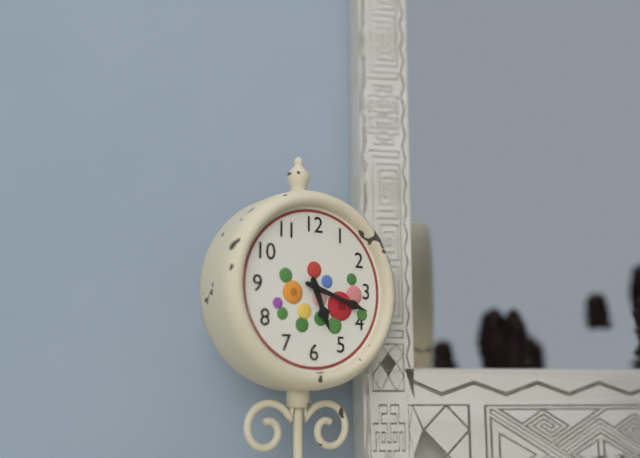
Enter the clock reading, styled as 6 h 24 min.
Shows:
5 h 18 min
